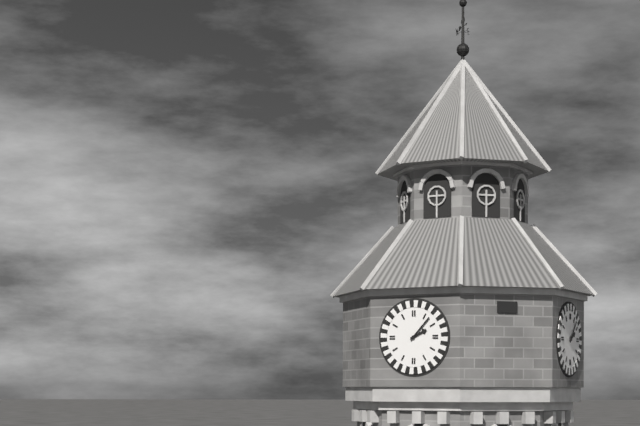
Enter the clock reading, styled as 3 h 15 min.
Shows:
2 h 07 min
